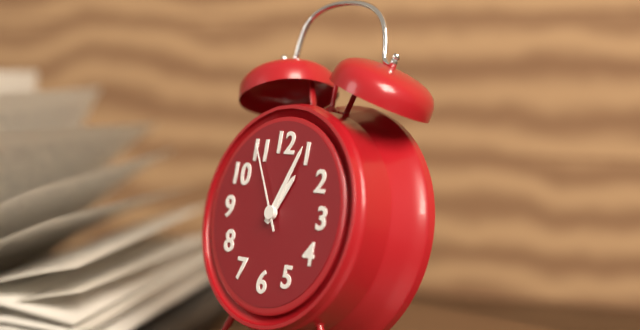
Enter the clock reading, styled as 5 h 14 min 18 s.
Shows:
1 h 04 min 55 s
